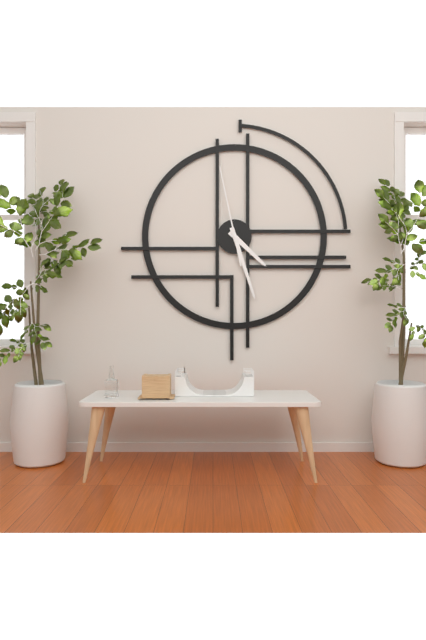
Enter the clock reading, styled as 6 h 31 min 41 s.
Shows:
4 h 27 min 58 s
